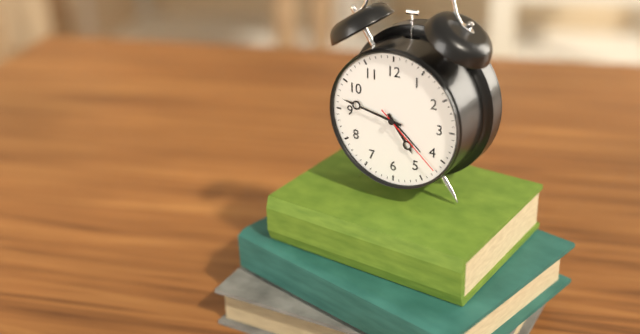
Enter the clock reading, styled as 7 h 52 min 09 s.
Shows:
4 h 47 min 22 s
